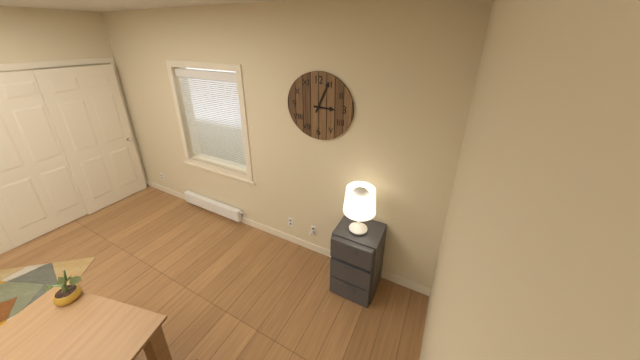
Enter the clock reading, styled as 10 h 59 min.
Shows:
3 h 04 min
